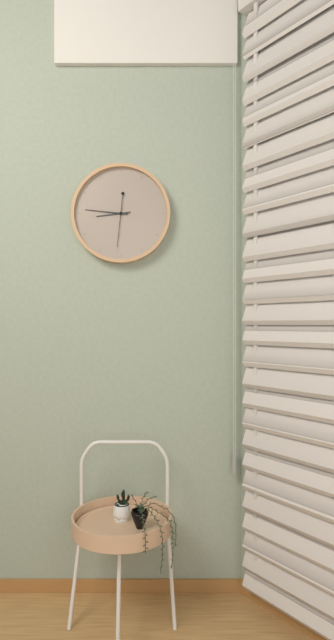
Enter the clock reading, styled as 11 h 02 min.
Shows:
8 h 46 min
